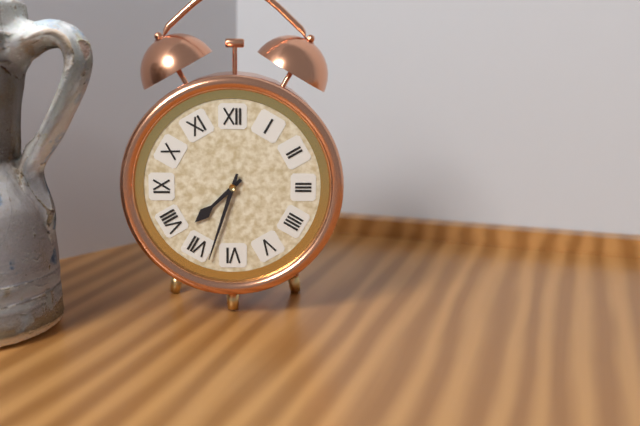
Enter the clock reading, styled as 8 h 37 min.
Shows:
7 h 33 min
